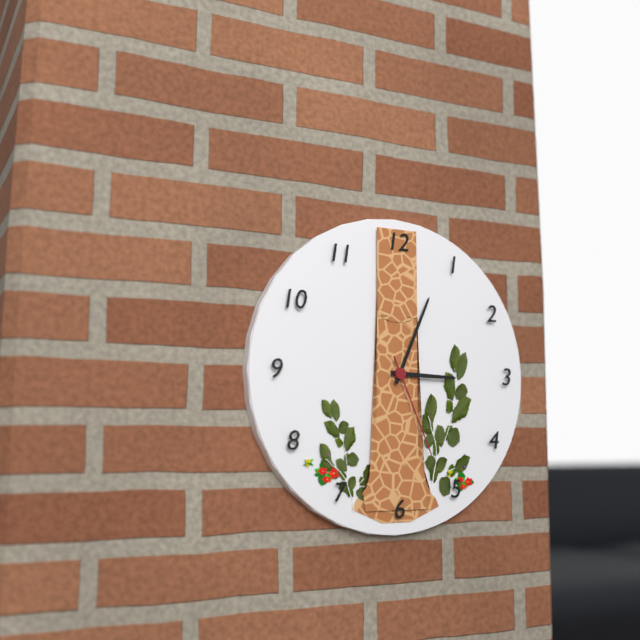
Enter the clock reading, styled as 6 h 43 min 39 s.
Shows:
3 h 04 min 26 s
